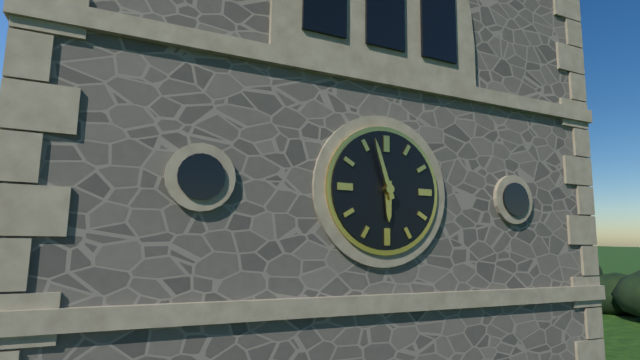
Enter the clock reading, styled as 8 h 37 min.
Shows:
5 h 57 min
